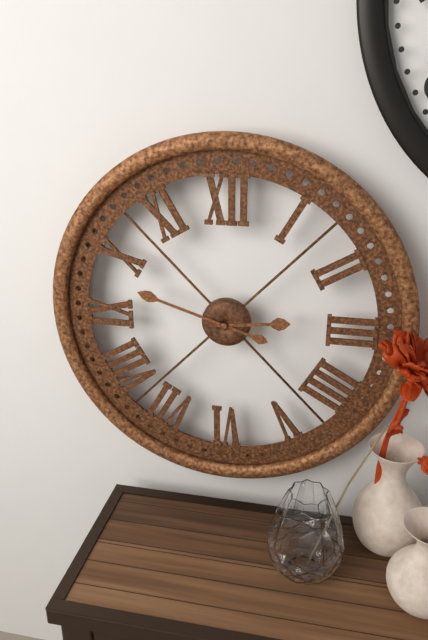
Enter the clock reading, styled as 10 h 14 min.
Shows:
2 h 48 min
